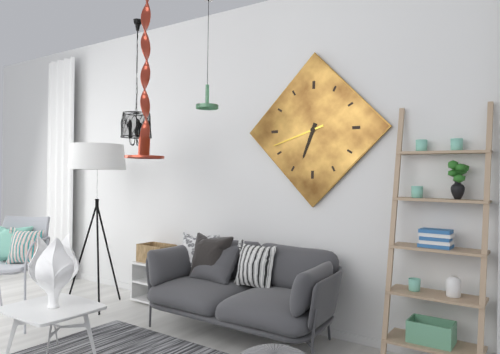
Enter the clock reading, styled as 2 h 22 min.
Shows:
6 h 42 min
